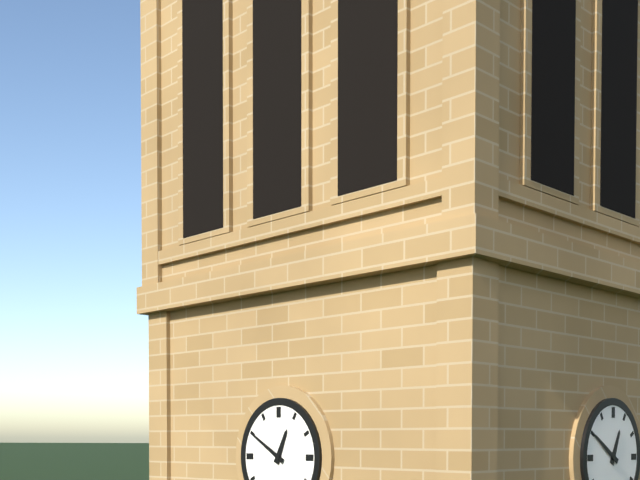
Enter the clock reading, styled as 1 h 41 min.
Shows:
12 h 50 min
